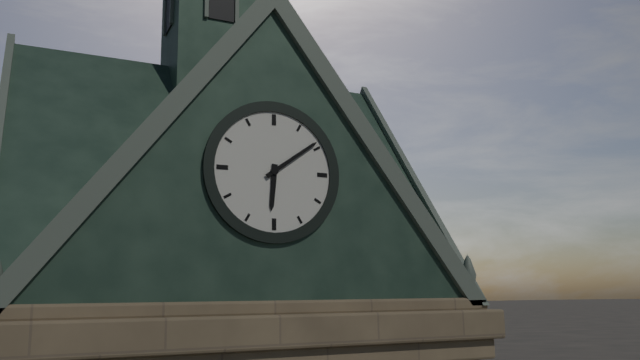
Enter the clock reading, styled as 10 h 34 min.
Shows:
6 h 09 min
